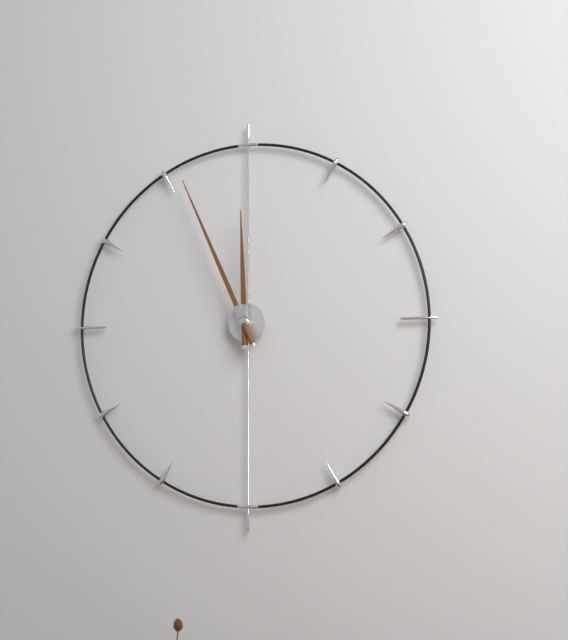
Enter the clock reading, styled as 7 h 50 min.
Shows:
11 h 56 min
